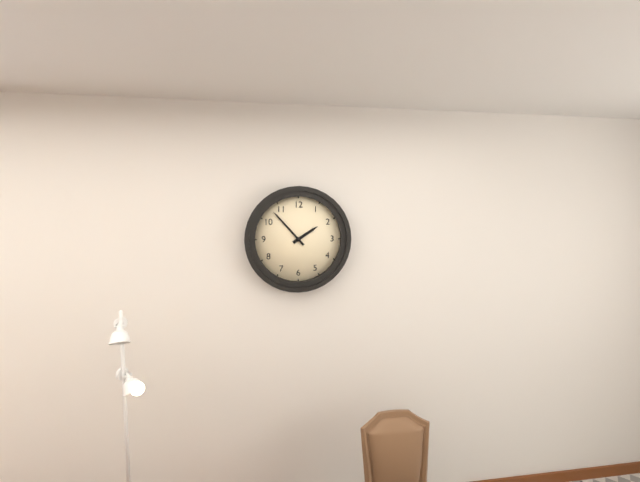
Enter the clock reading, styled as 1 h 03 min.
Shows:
1 h 53 min
